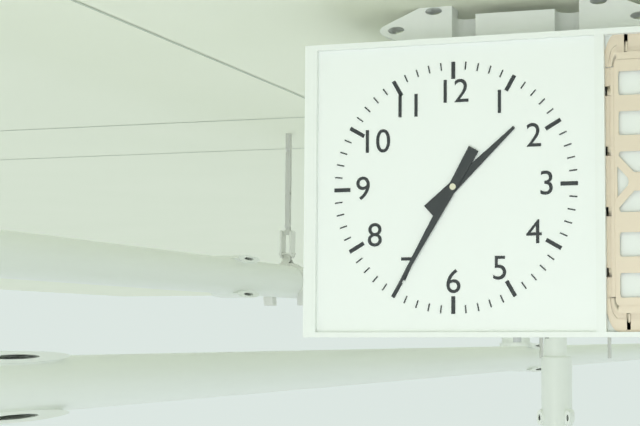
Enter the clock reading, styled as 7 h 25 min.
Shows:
1 h 35 min
